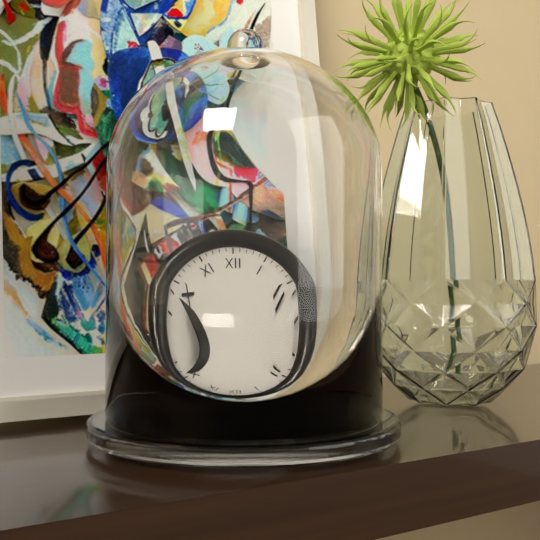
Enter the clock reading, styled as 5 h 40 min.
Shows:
2 h 49 min
